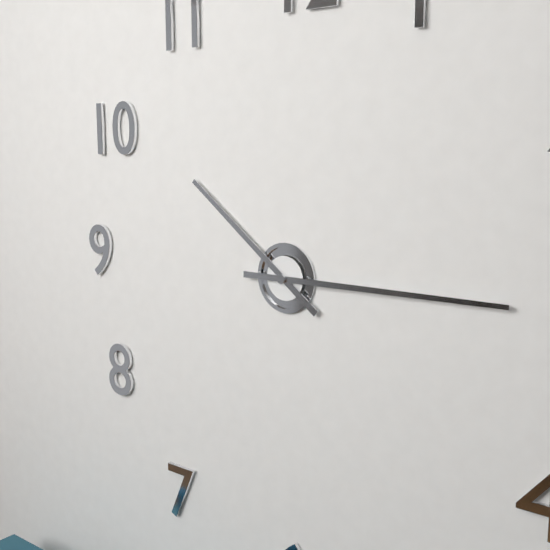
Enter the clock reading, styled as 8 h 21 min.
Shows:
10 h 15 min
